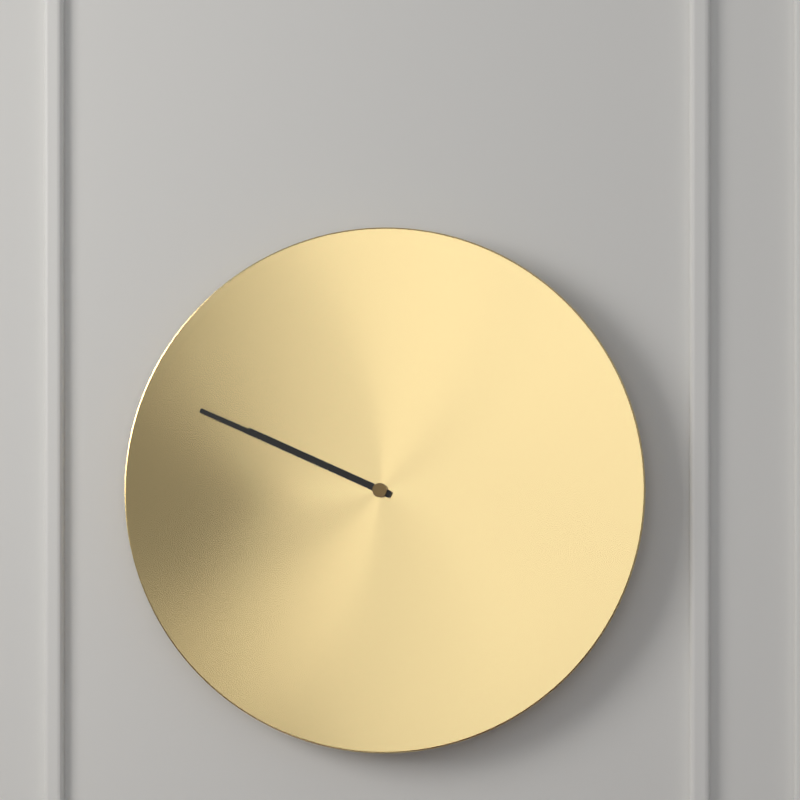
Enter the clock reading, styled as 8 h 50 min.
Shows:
9 h 49 min
